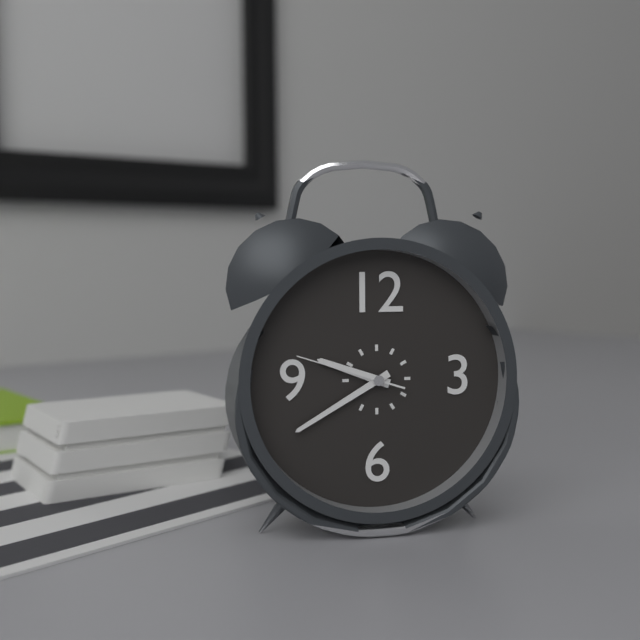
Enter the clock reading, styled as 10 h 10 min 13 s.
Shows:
9 h 40 min 48 s
